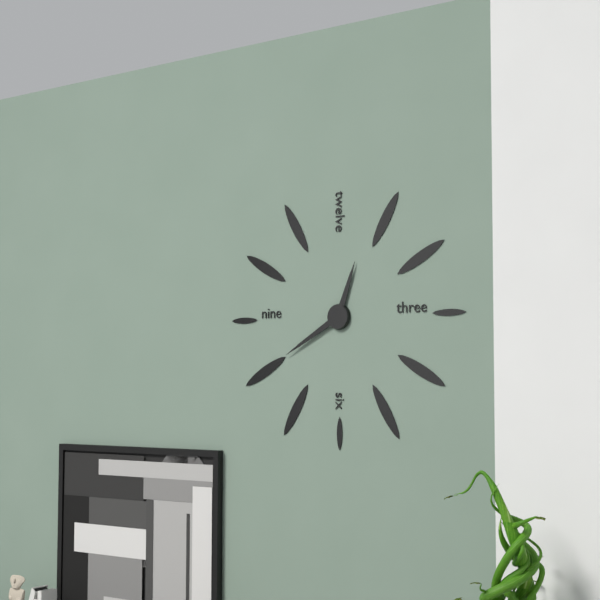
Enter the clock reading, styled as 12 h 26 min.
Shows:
12 h 40 min
